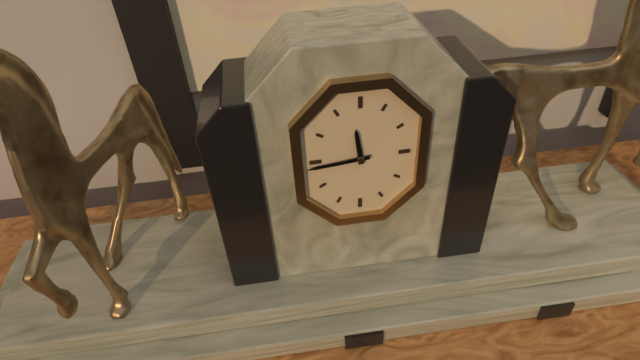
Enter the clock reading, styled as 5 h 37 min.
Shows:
11 h 44 min
